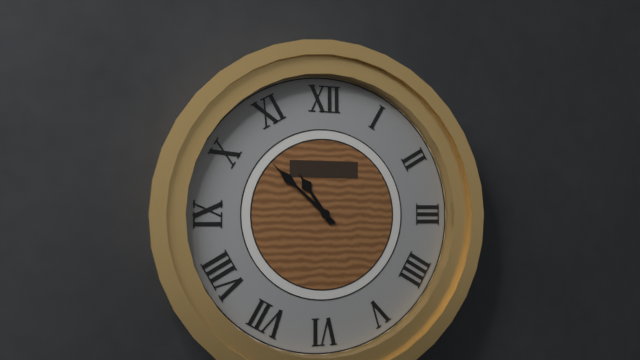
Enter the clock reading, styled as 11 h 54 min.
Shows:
10 h 52 min
